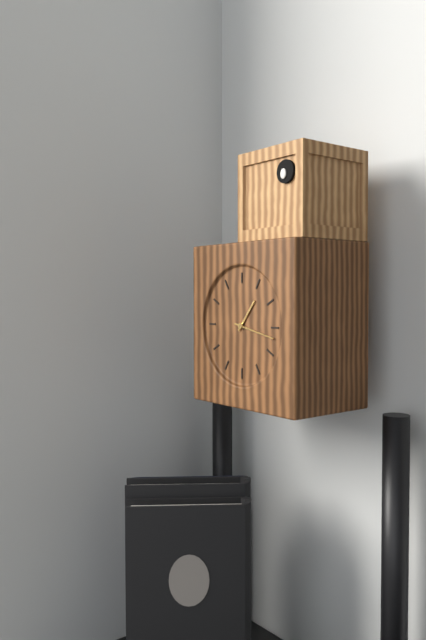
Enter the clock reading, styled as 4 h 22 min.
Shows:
1 h 17 min
